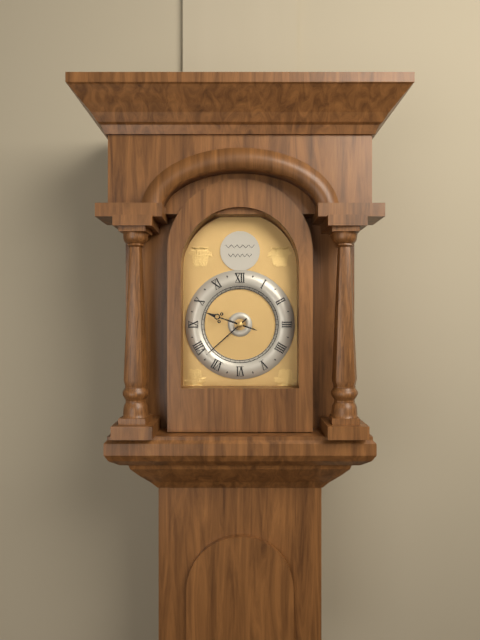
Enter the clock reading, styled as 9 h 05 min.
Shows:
9 h 38 min
